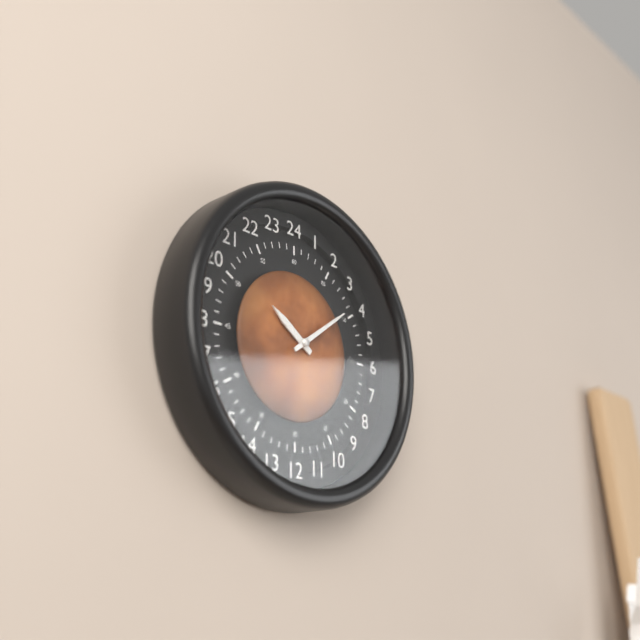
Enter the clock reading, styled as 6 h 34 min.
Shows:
10 h 09 min
